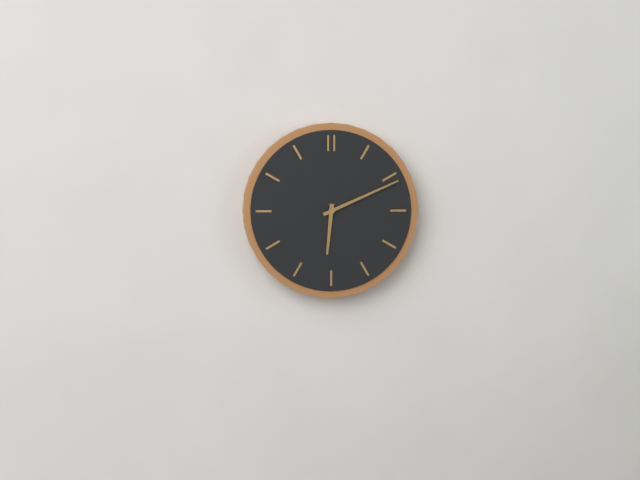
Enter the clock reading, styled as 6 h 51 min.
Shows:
6 h 11 min
